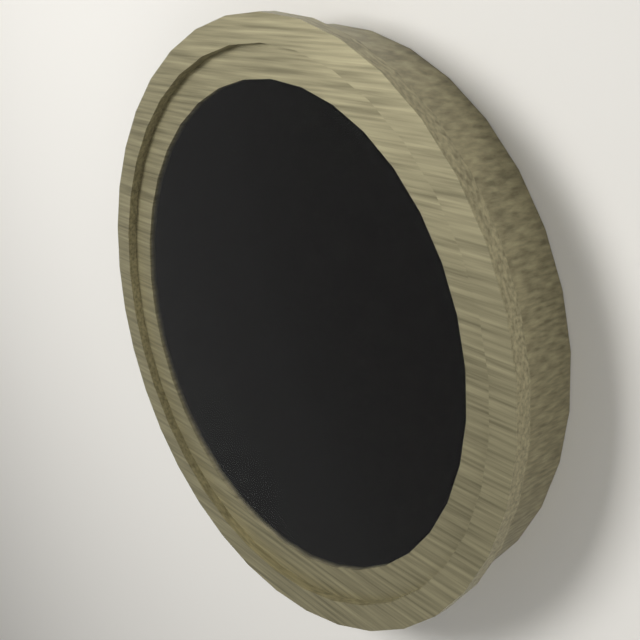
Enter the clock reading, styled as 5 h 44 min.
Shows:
1 h 49 min
